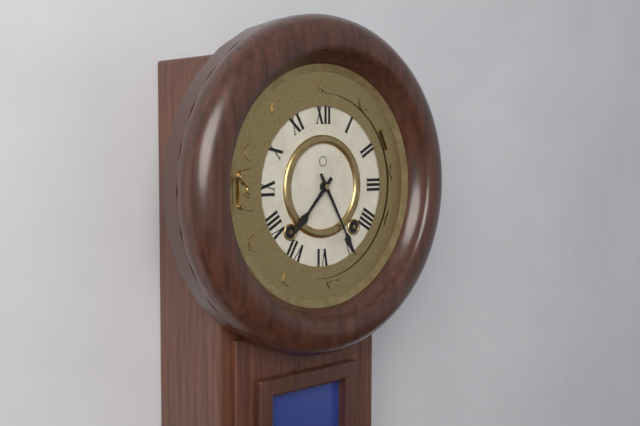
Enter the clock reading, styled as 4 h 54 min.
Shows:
7 h 25 min
